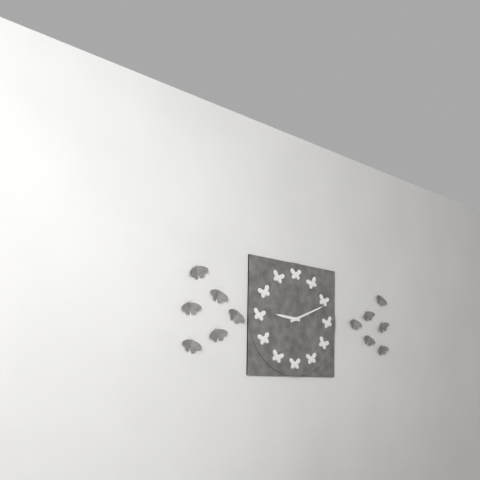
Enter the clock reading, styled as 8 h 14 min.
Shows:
9 h 11 min
